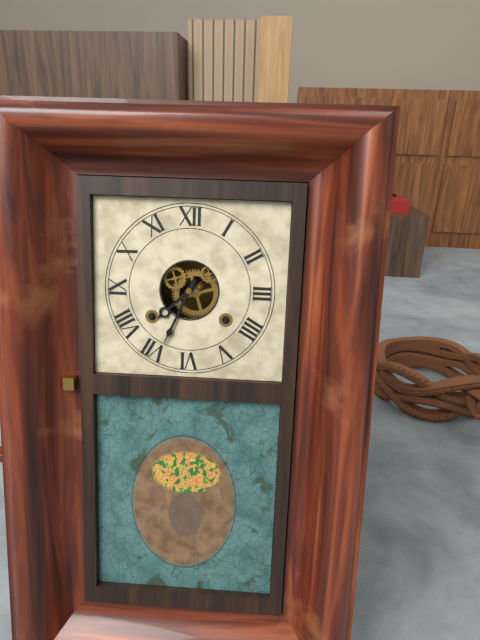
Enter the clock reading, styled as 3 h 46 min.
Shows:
7 h 34 min
